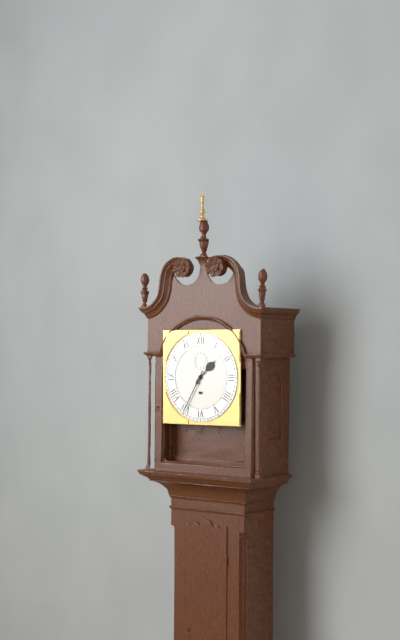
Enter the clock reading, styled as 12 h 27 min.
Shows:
1 h 35 min
